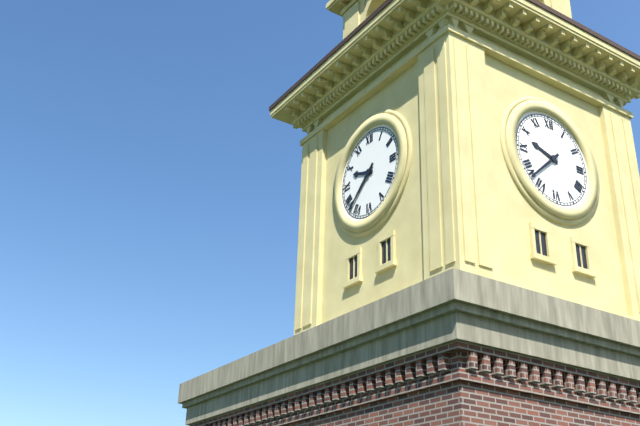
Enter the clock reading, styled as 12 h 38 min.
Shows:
9 h 38 min
